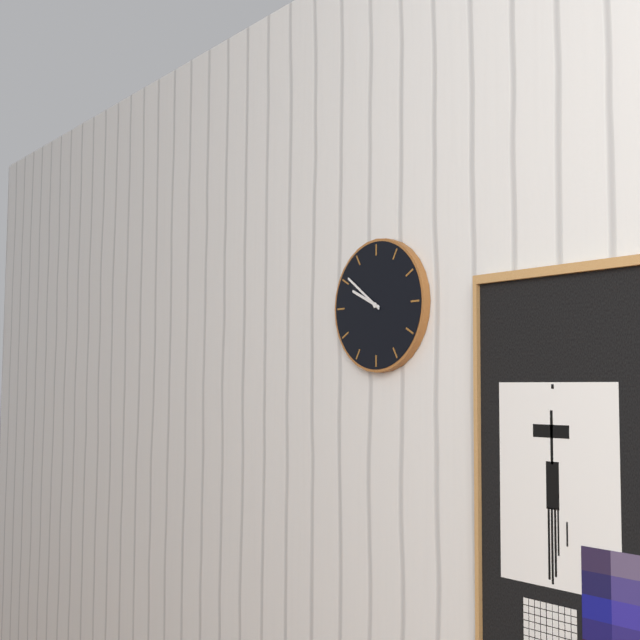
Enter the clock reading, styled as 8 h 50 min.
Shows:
9 h 51 min
